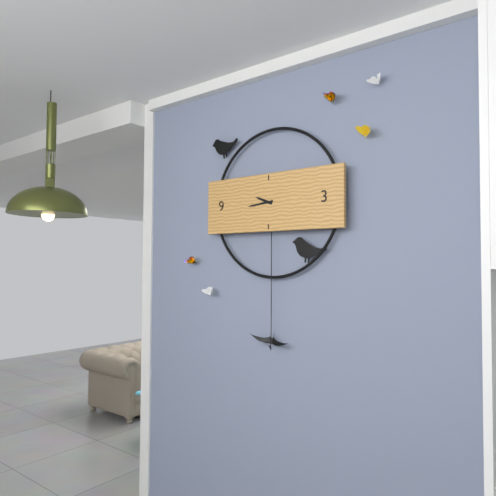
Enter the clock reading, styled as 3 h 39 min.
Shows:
9 h 44 min
